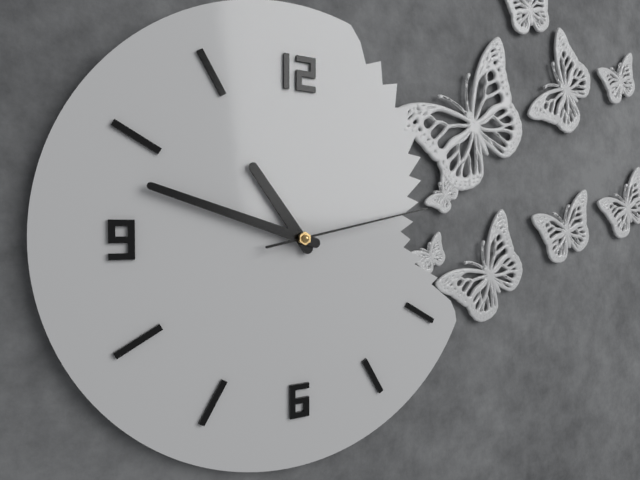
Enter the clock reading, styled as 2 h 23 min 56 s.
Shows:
10 h 48 min 13 s
